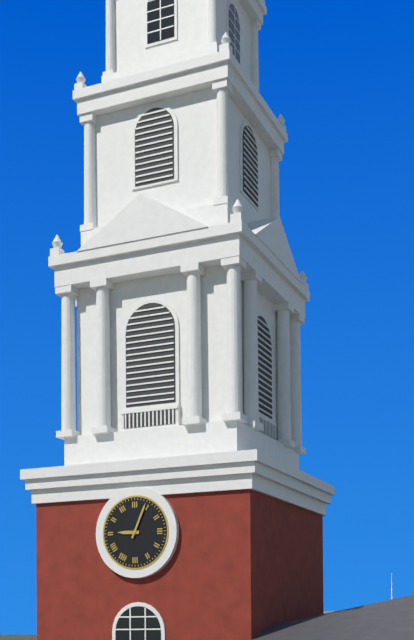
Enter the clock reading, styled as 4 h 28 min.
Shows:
9 h 04 min
